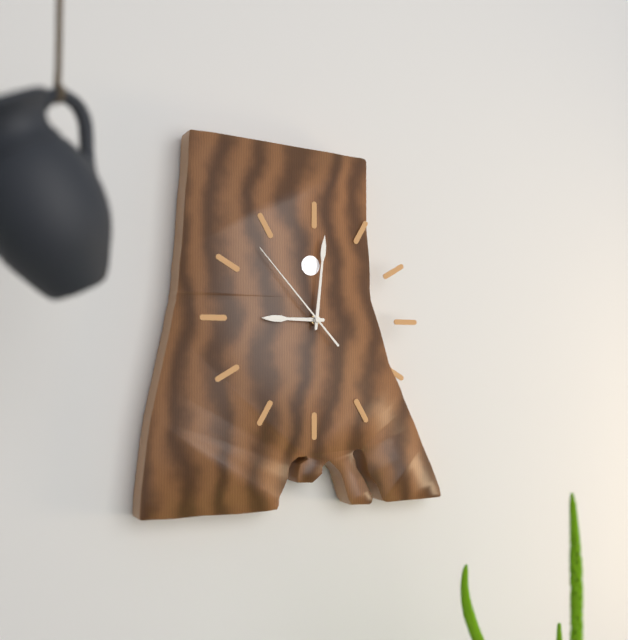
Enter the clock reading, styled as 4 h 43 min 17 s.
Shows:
9 h 01 min 53 s
